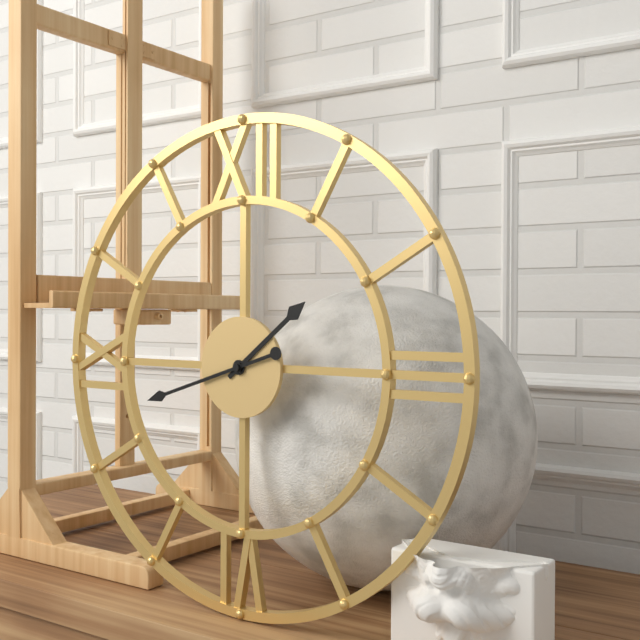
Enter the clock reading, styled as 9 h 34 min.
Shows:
1 h 42 min
